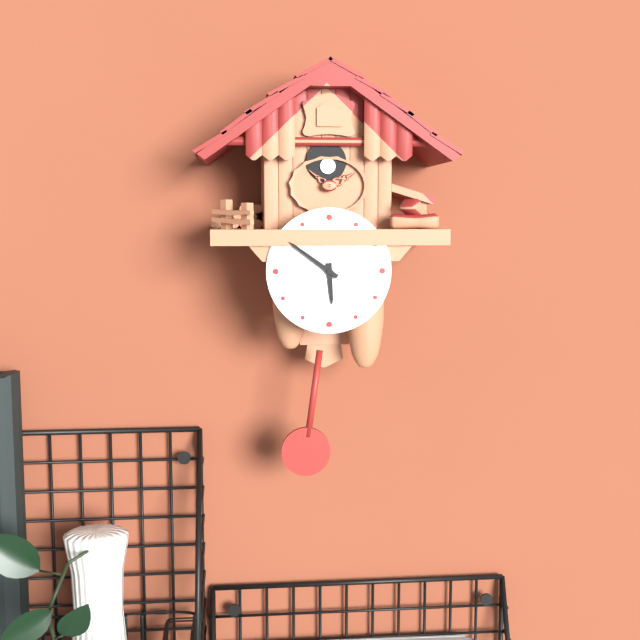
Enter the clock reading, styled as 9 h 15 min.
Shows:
5 h 51 min
